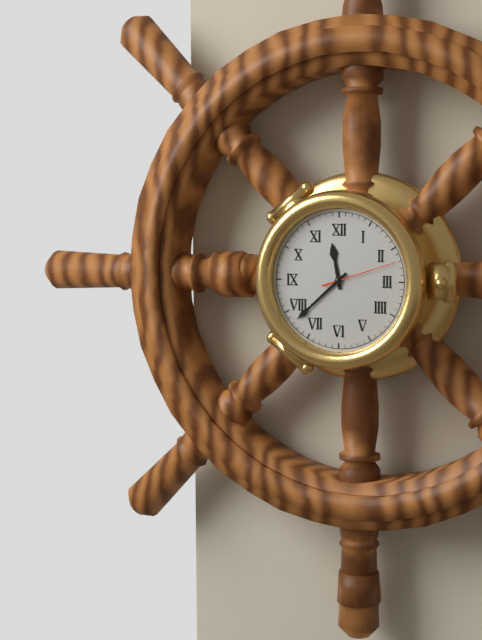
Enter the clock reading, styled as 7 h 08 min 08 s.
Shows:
11 h 38 min 12 s
